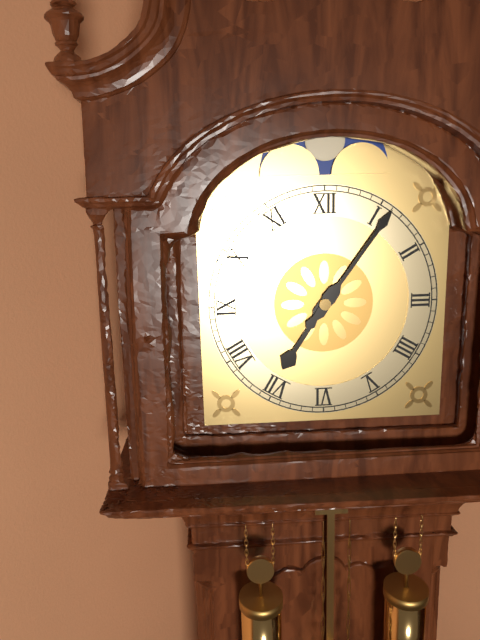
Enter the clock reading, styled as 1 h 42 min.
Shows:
7 h 06 min
